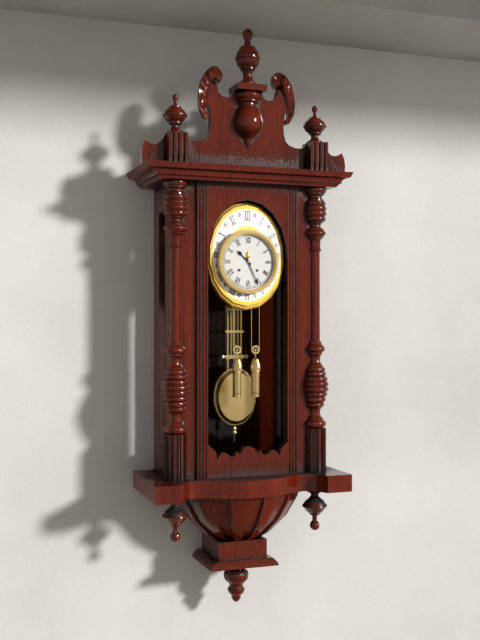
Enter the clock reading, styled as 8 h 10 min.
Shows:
10 h 26 min
